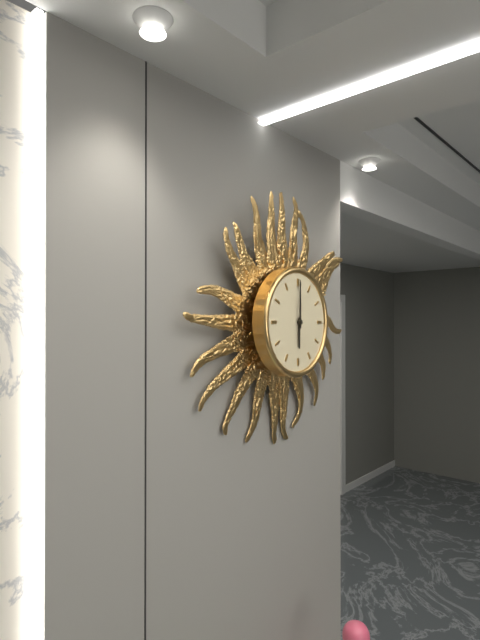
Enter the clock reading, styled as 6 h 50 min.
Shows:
6 h 00 min
